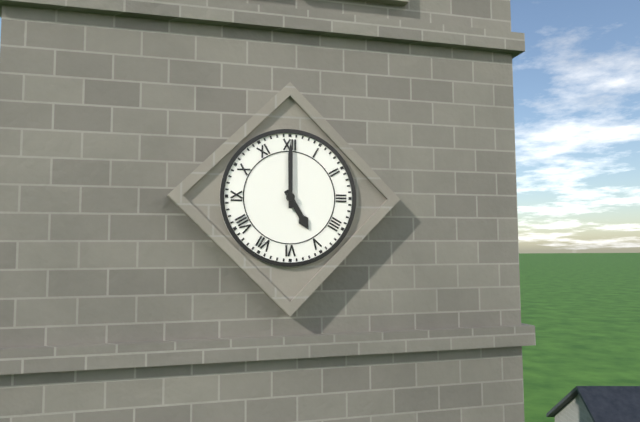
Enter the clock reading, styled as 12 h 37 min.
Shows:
5 h 00 min
